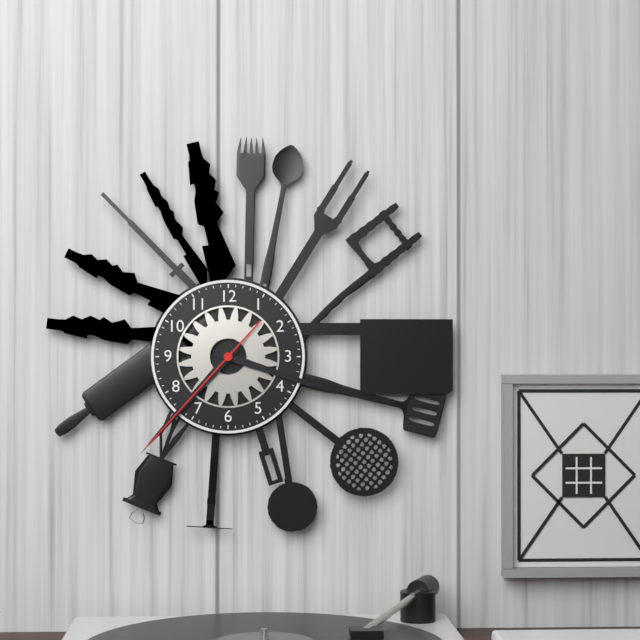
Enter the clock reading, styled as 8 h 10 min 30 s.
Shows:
3 h 37 min 37 s
